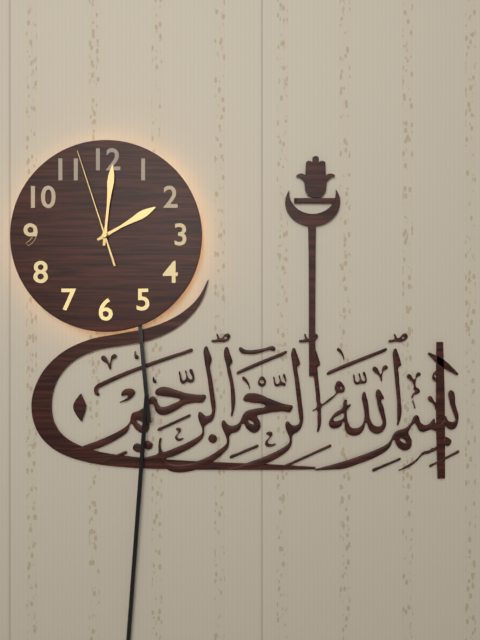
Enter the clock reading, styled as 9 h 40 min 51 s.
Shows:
2 h 01 min 57 s
